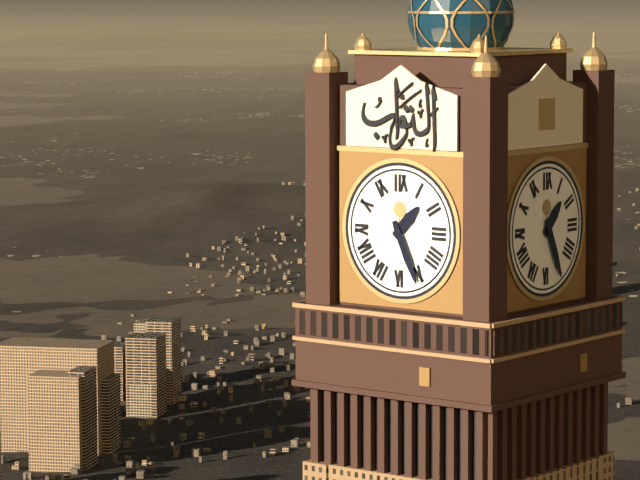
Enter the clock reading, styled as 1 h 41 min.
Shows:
1 h 26 min
